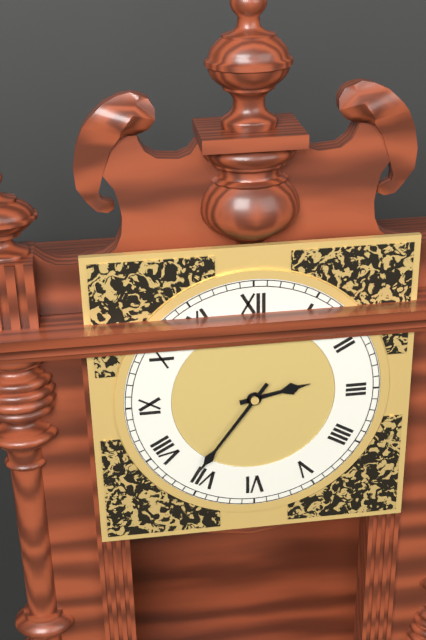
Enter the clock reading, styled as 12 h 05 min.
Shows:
2 h 36 min
